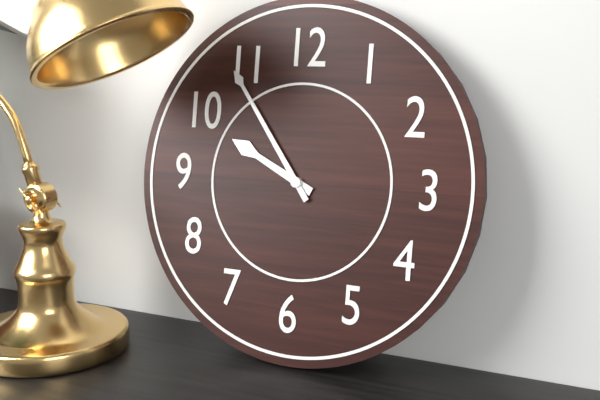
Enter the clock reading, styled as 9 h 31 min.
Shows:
9 h 54 min
